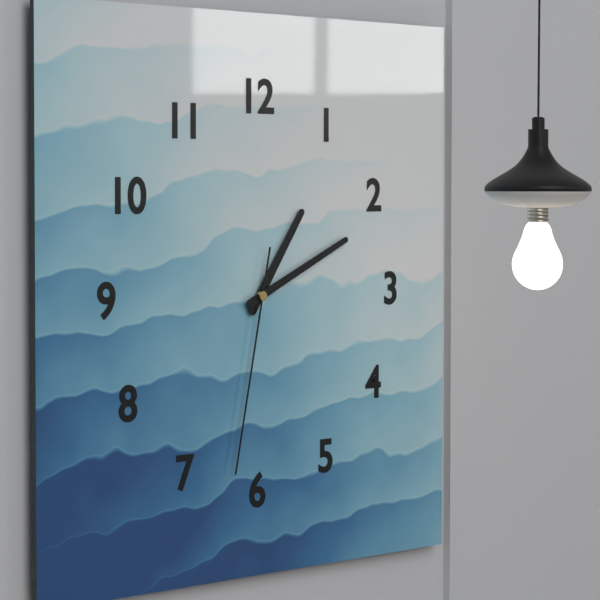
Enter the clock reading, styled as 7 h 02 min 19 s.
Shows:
1 h 11 min 32 s
